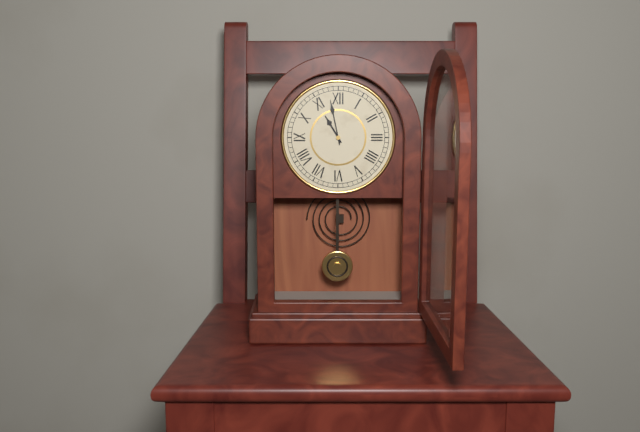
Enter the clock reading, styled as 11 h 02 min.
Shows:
10 h 58 min
